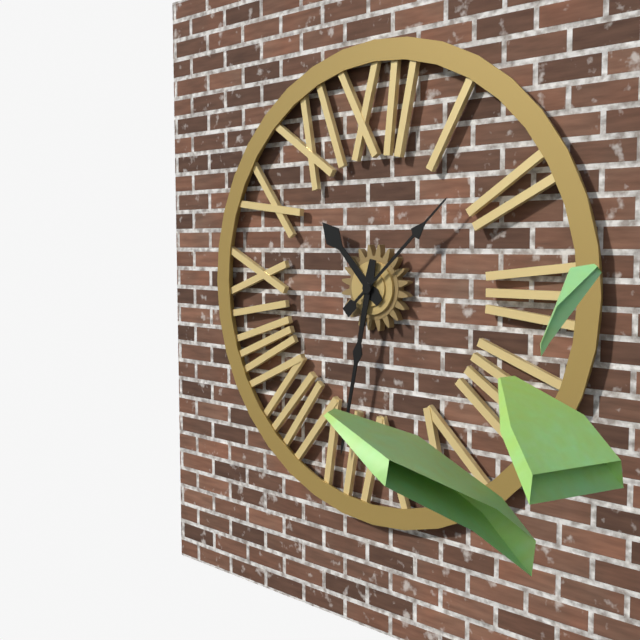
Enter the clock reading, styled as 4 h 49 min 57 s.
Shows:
10 h 32 min 08 s
